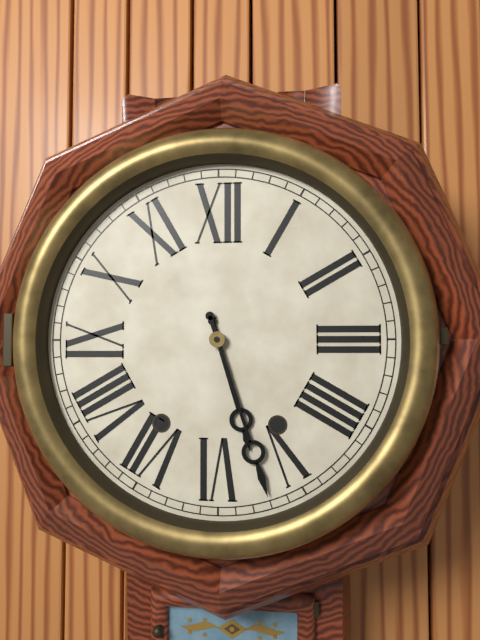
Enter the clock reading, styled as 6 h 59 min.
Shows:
5 h 27 min
